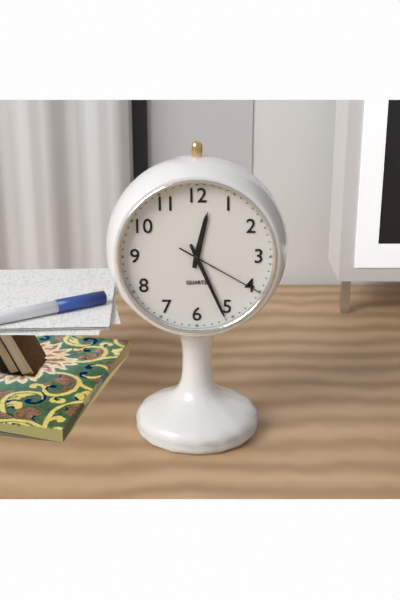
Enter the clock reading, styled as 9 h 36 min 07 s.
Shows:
12 h 26 min 20 s
